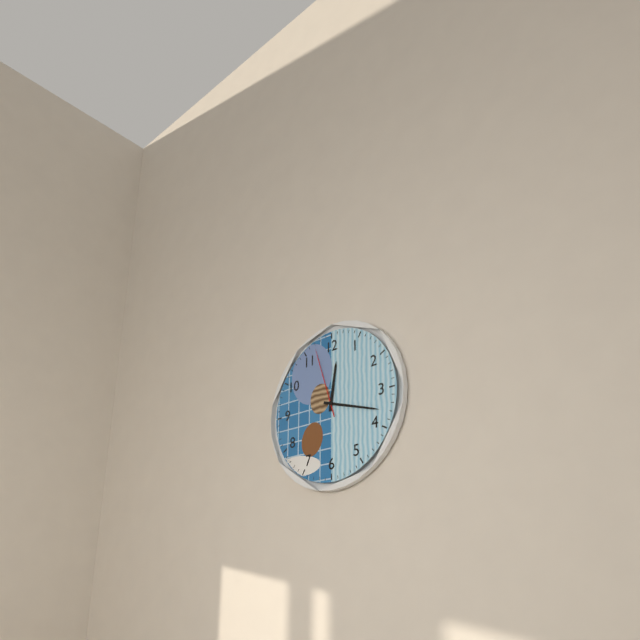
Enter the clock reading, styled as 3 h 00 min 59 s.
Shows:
12 h 18 min 57 s
